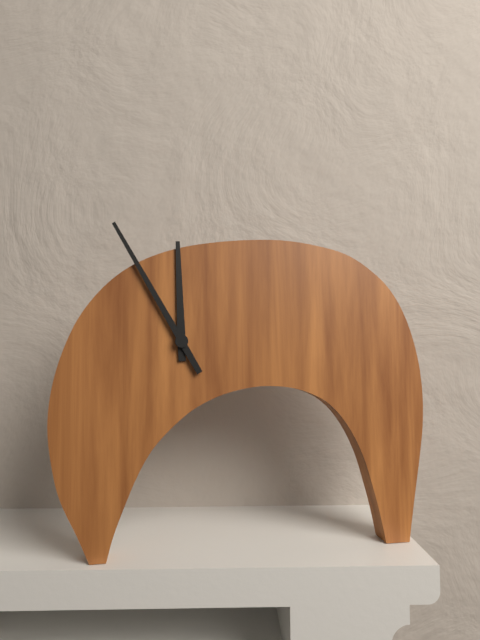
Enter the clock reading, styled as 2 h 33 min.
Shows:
11 h 55 min
